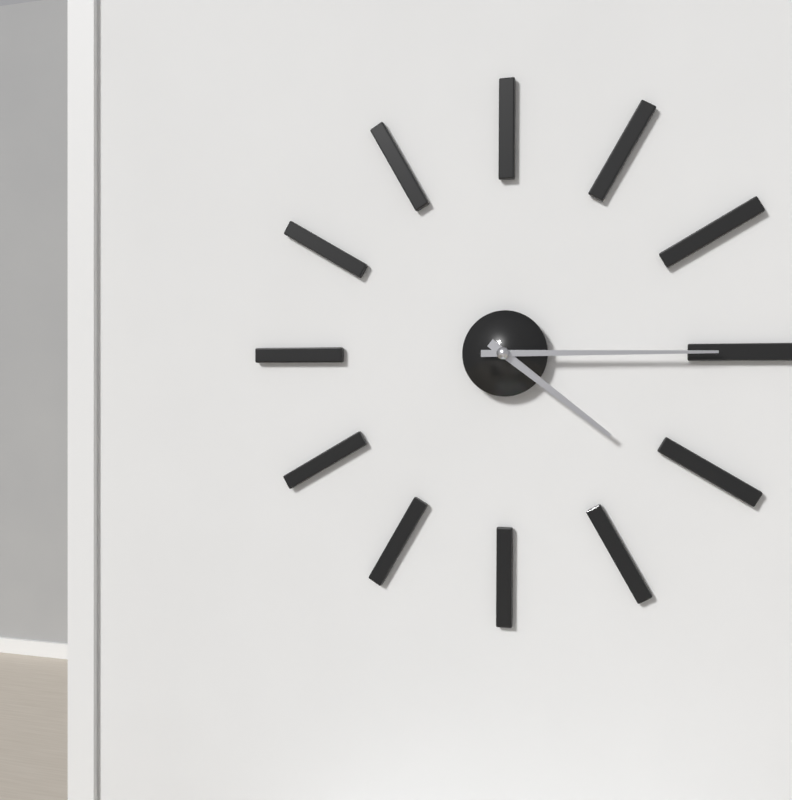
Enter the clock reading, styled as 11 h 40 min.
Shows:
4 h 15 min
